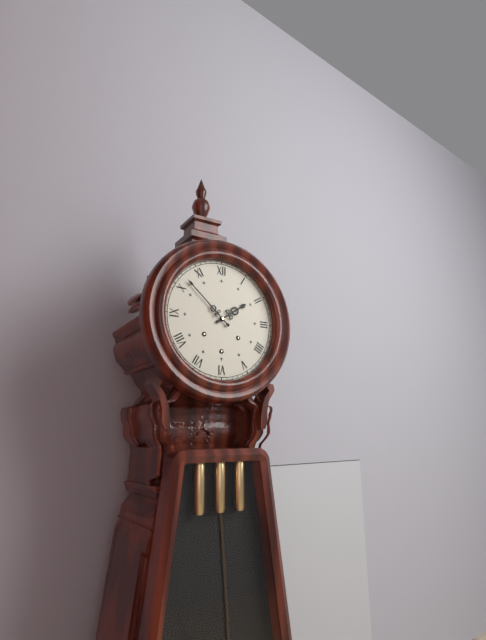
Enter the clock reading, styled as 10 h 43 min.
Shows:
1 h 52 min
